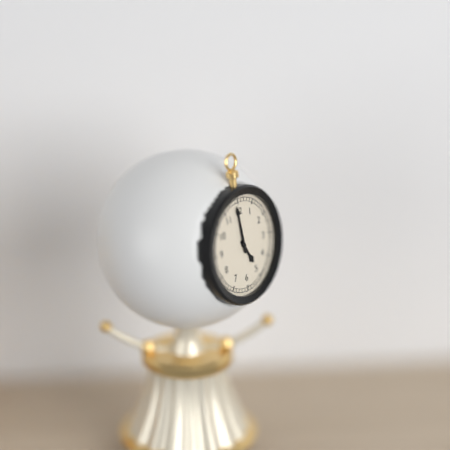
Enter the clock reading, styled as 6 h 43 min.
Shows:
4 h 59 min
